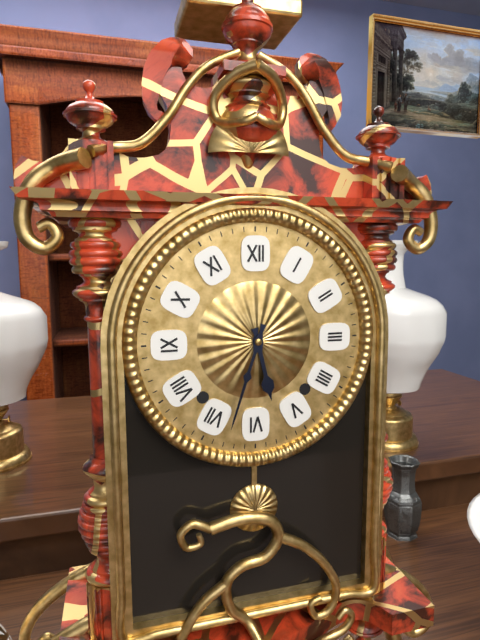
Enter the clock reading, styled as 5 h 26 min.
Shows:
5 h 33 min
